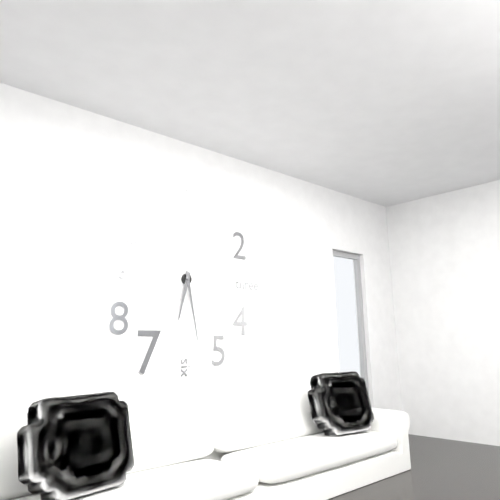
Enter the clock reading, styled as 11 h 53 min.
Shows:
6 h 28 min
